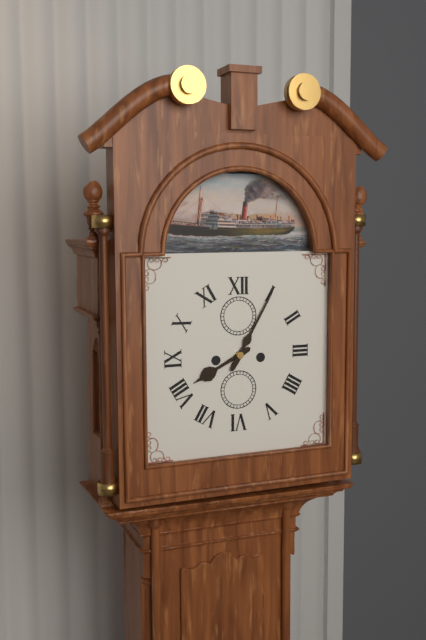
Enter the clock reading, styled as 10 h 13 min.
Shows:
8 h 05 min
